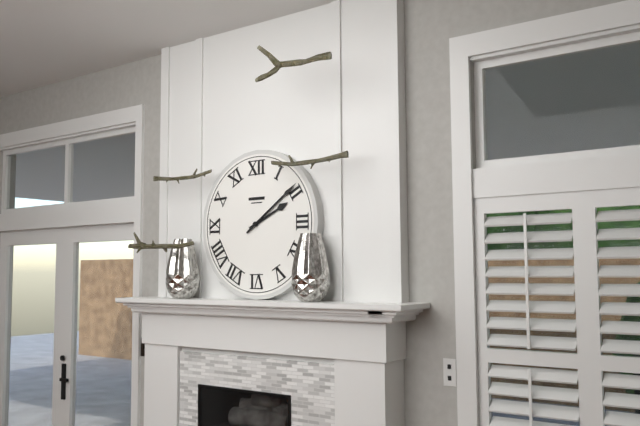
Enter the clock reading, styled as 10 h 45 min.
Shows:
2 h 09 min
